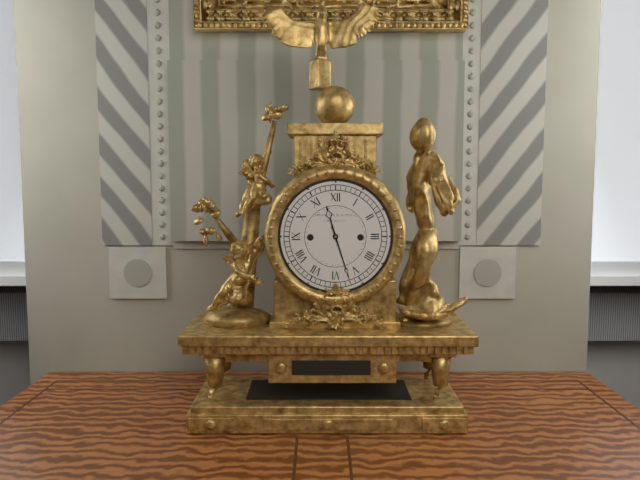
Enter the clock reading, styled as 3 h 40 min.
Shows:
11 h 27 min
